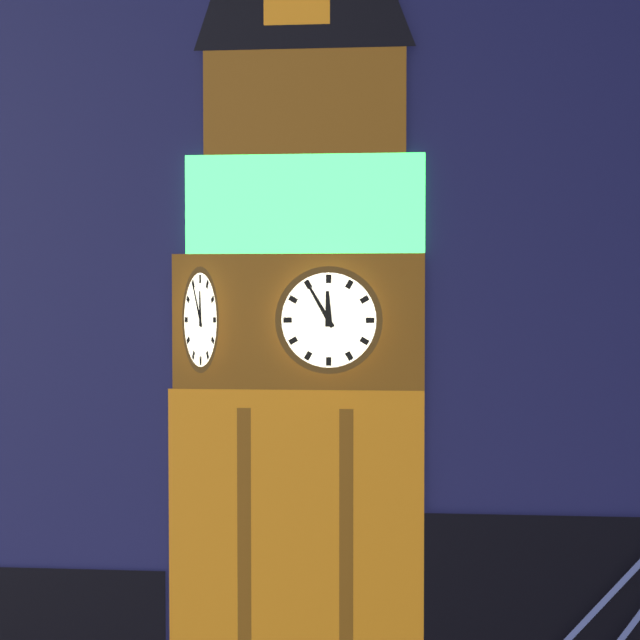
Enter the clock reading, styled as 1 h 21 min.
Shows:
11 h 55 min
